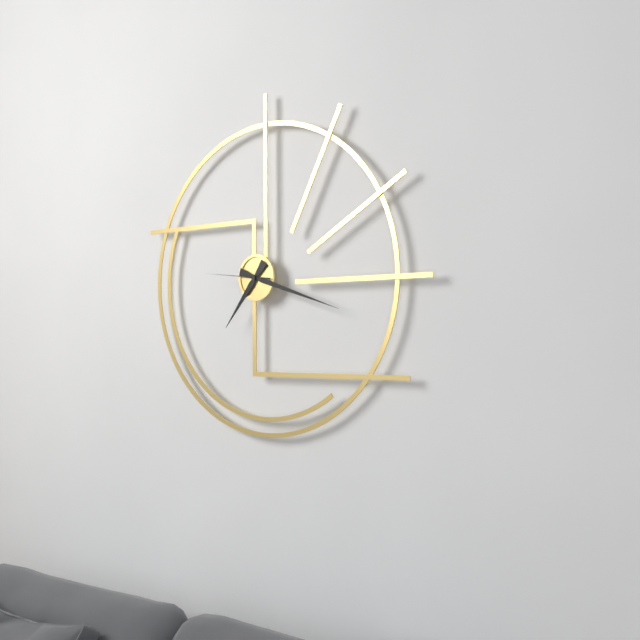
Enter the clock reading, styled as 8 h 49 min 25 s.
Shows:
7 h 18 min 46 s
